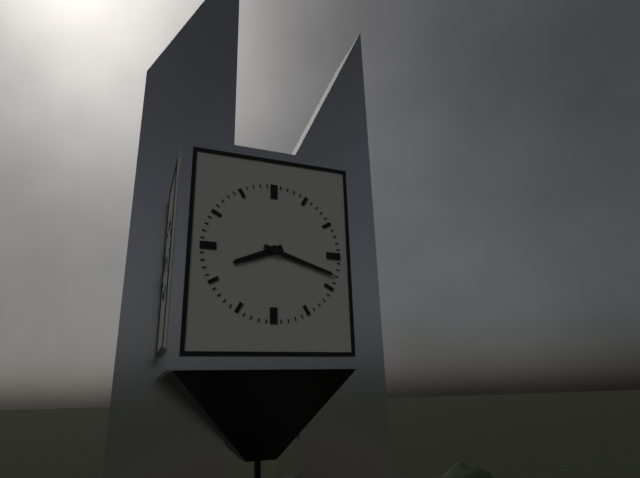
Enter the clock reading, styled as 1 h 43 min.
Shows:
8 h 18 min
